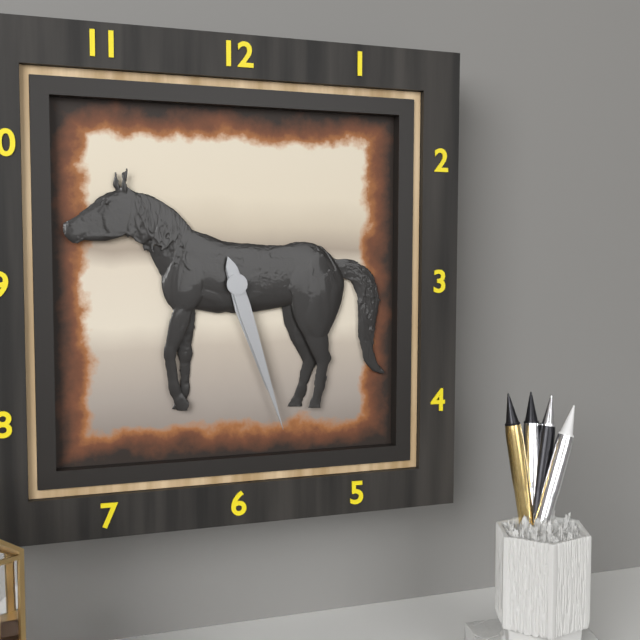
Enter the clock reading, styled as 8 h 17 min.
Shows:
5 h 27 min
